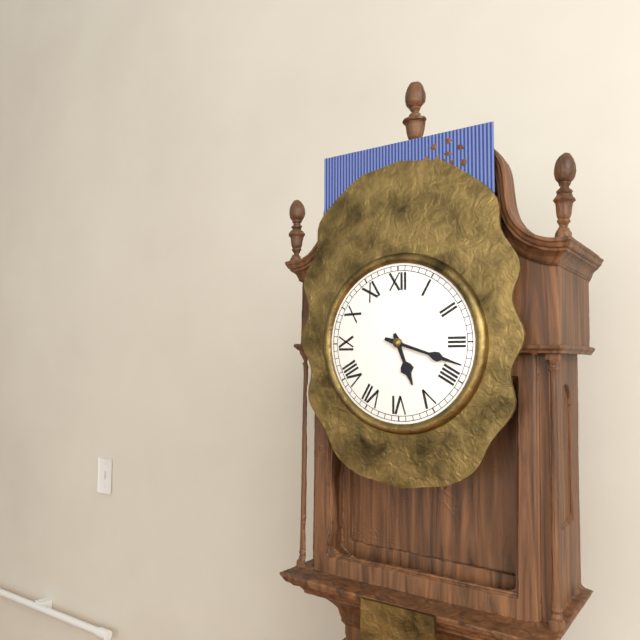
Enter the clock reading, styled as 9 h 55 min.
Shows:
5 h 18 min
